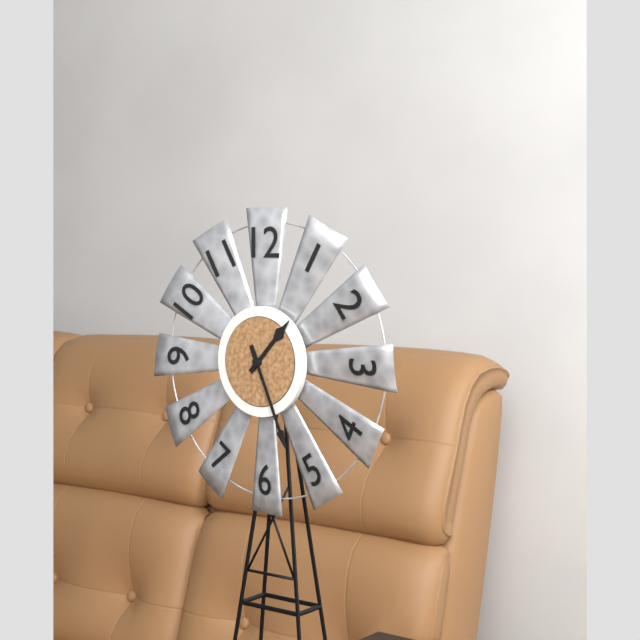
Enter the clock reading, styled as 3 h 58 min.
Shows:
1 h 26 min
